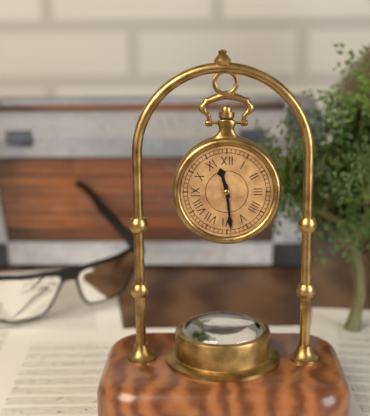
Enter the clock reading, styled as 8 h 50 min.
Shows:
11 h 29 min
